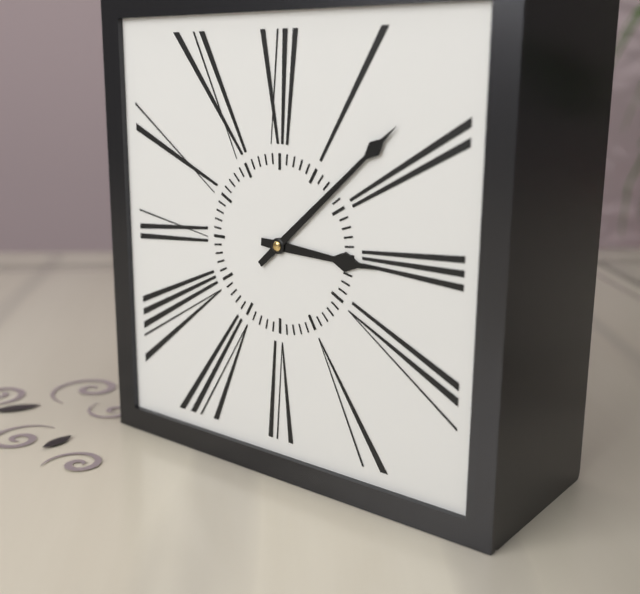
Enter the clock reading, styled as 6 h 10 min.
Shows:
3 h 08 min
